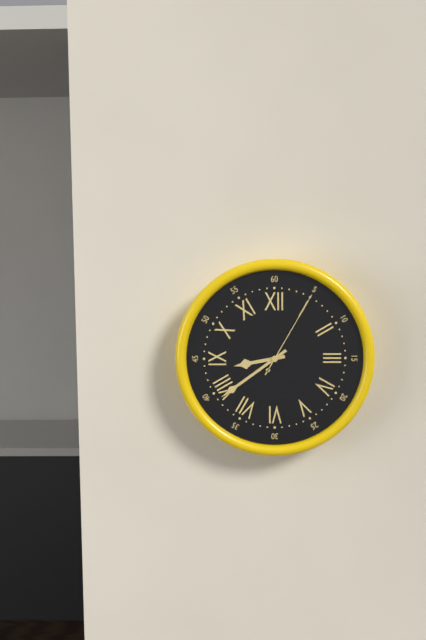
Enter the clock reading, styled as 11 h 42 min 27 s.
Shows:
8 h 39 min 05 s
